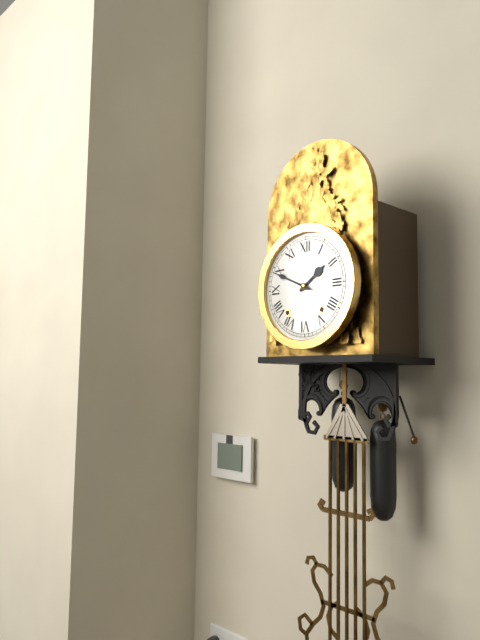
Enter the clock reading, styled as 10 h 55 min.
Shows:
1 h 49 min
